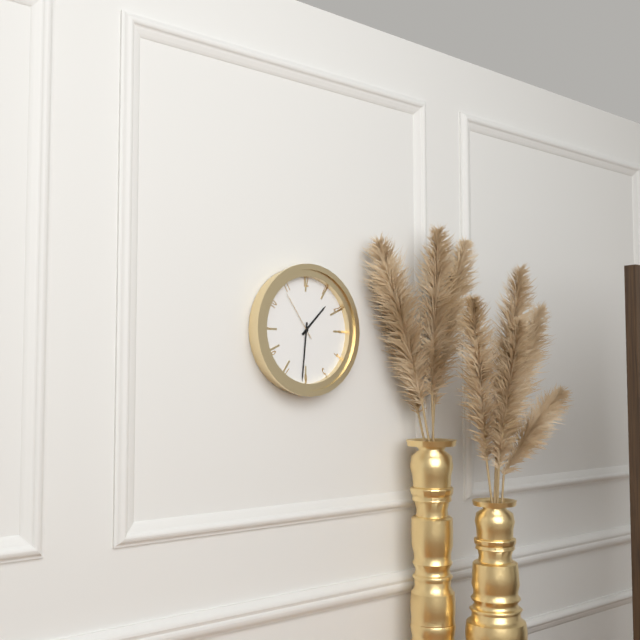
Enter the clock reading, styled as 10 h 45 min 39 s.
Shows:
1 h 31 min 54 s
